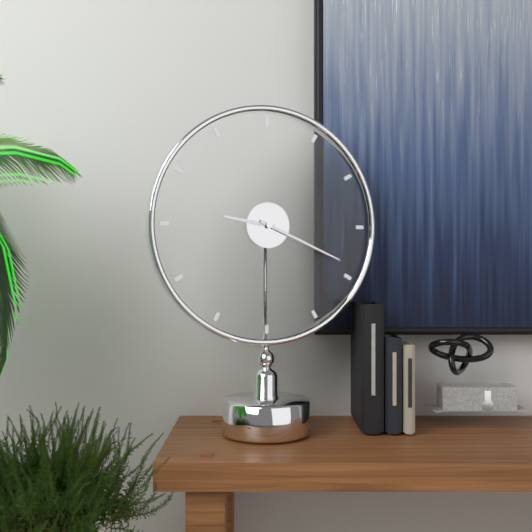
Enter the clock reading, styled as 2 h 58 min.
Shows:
9 h 19 min
